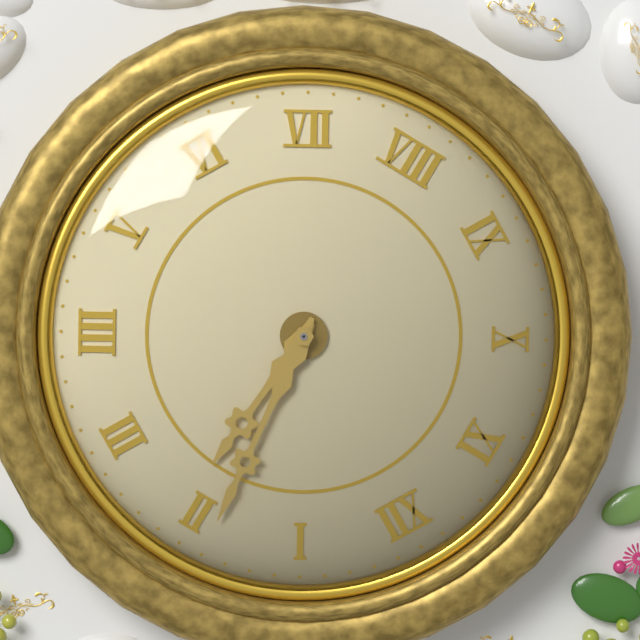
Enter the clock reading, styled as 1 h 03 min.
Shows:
2 h 09 min
